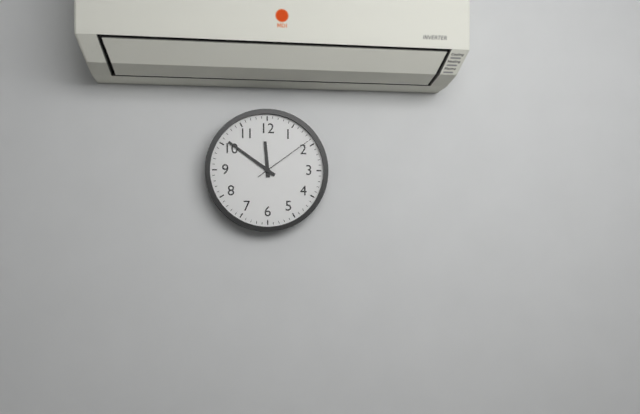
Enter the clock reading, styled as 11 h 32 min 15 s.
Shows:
11 h 51 min 09 s
